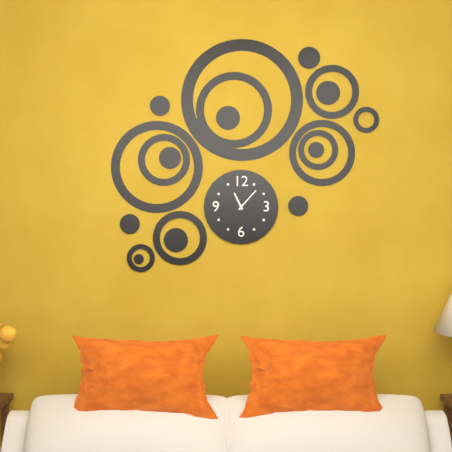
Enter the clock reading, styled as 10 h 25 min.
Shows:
11 h 07 min
